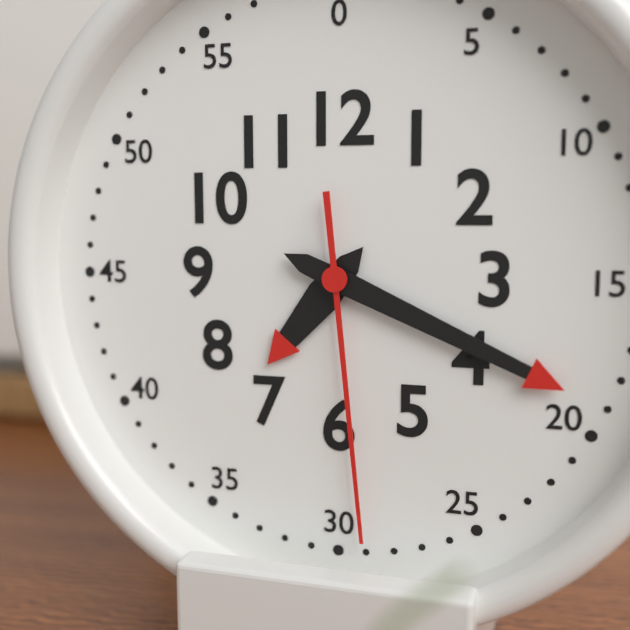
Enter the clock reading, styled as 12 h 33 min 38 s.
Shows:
7 h 19 min 29 s
